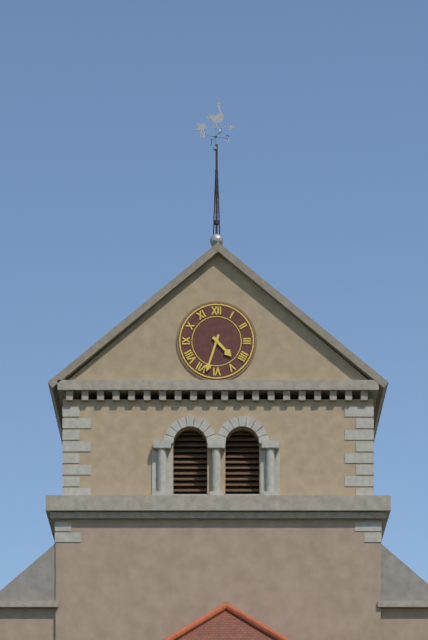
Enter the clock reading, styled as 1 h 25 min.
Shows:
4 h 33 min
